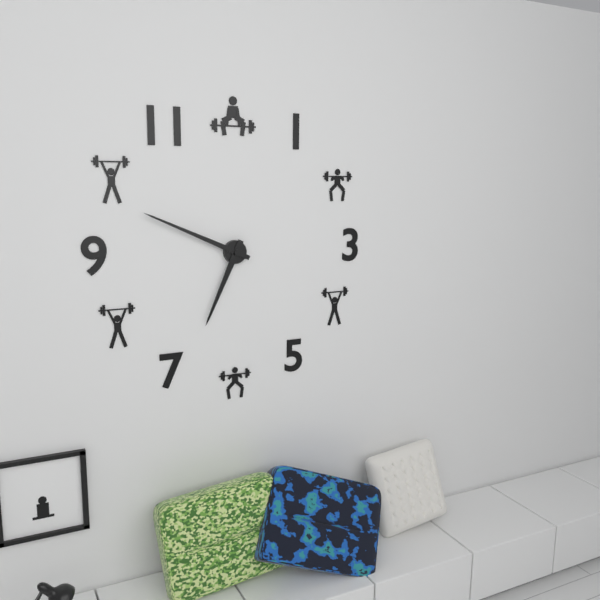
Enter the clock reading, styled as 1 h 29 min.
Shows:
6 h 49 min
